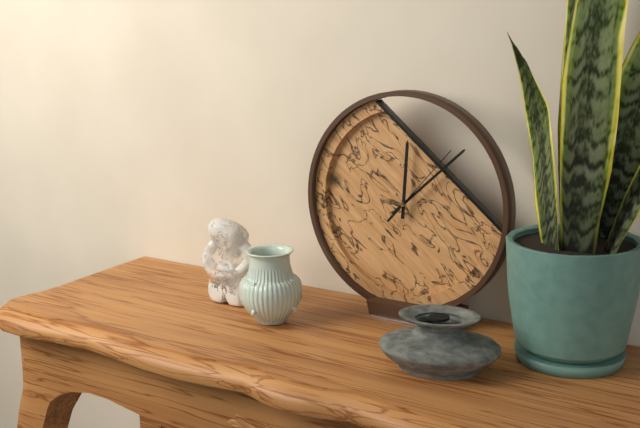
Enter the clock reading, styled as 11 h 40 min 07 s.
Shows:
12 h 08 min 07 s
